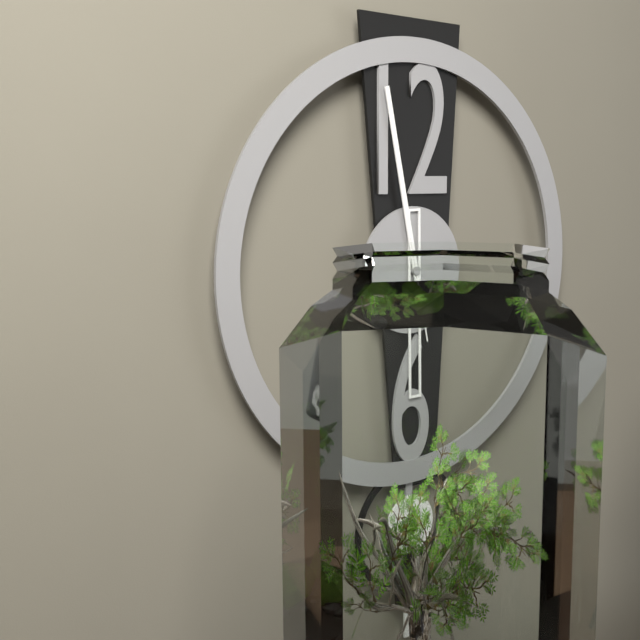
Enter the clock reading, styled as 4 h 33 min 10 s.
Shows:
5 h 58 min 28 s
